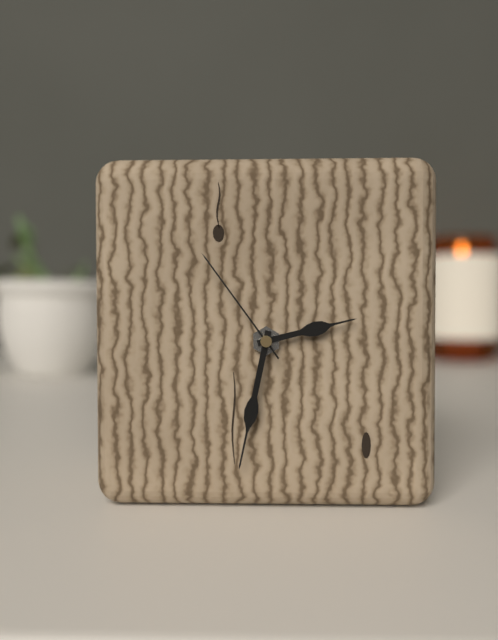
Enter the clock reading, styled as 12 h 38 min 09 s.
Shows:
2 h 32 min 54 s
